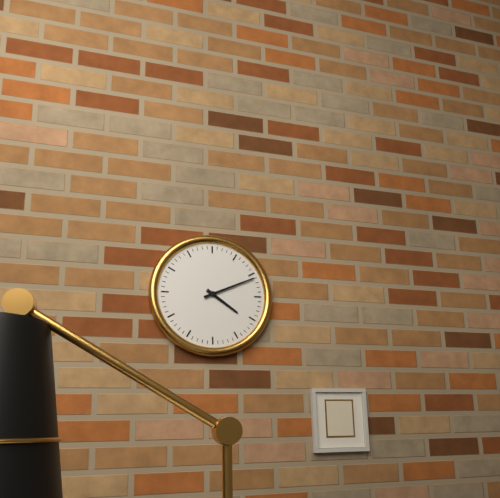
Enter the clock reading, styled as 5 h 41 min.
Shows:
4 h 11 min
